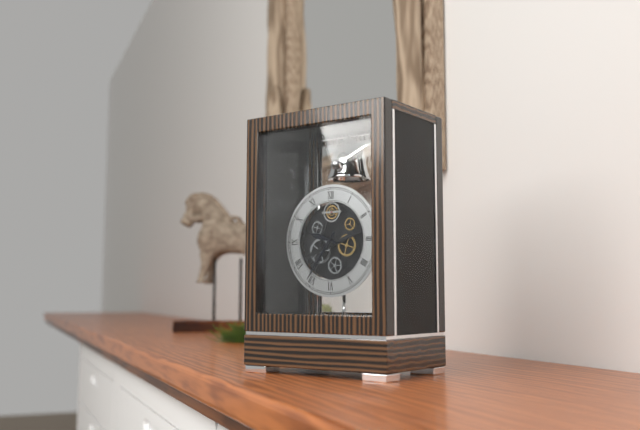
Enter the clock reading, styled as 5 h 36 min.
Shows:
9 h 36 min
